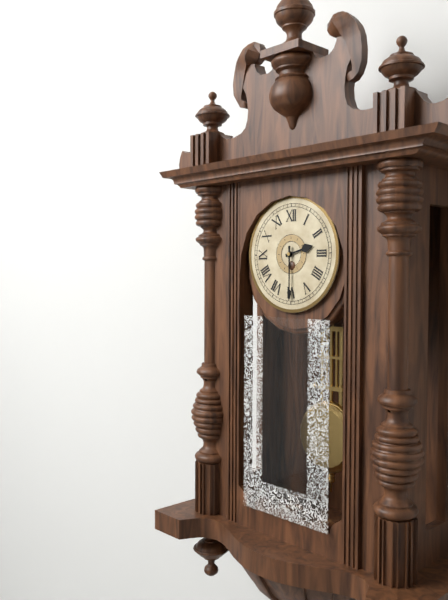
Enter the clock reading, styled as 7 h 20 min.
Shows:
2 h 30 min
